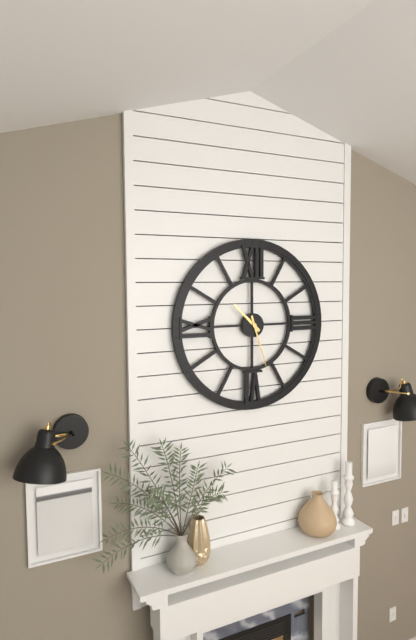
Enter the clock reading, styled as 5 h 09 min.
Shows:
10 h 27 min
